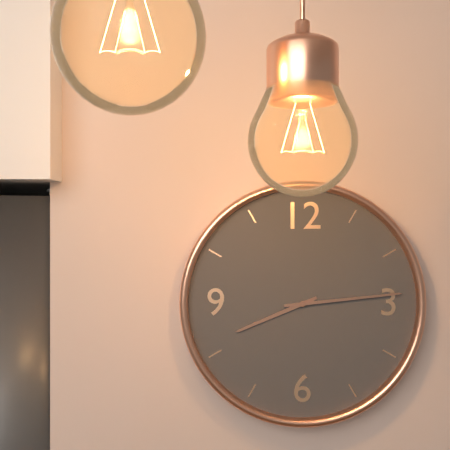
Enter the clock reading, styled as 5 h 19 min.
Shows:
8 h 14 min
